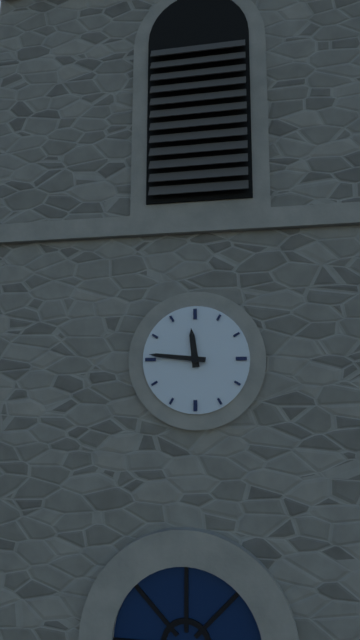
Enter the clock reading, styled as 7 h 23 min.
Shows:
11 h 46 min
